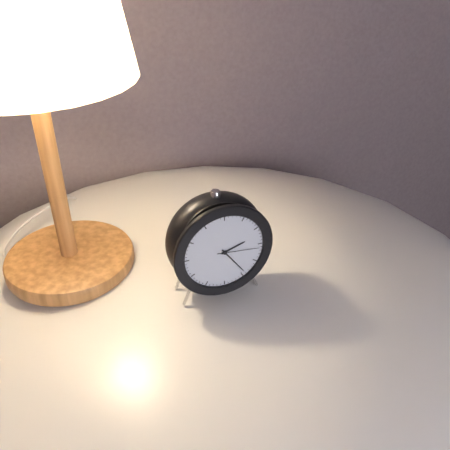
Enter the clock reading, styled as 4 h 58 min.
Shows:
2 h 24 min
